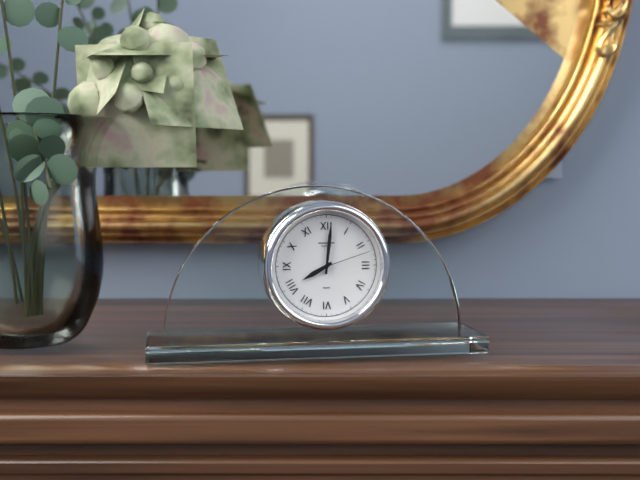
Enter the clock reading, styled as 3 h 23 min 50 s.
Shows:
8 h 01 min 12 s
